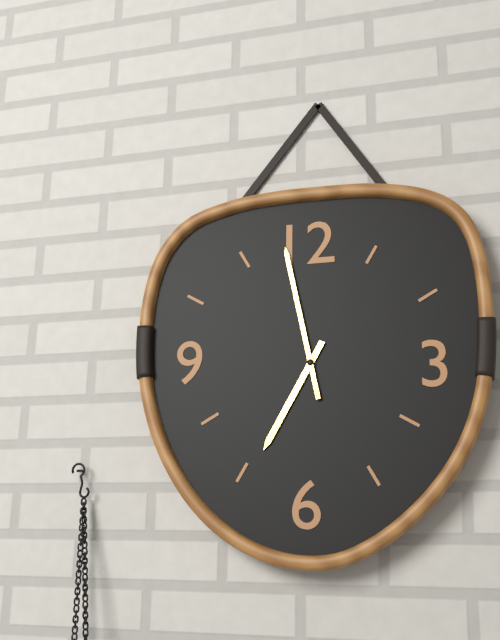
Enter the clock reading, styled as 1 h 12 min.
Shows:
6 h 58 min
